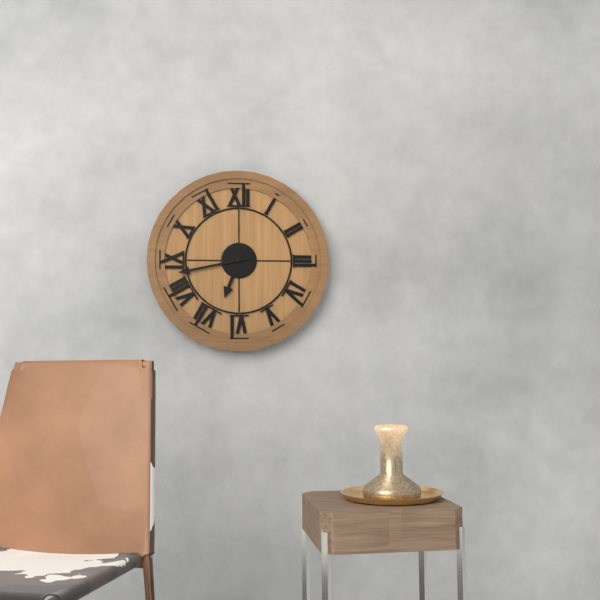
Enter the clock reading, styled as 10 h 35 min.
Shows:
6 h 43 min
